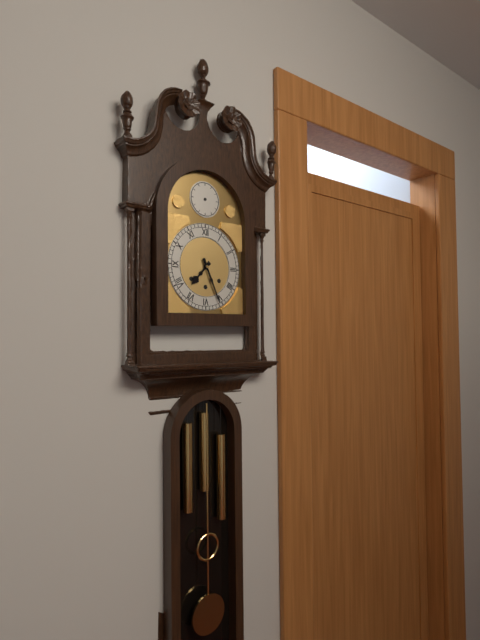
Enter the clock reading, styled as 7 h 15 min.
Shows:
7 h 26 min
